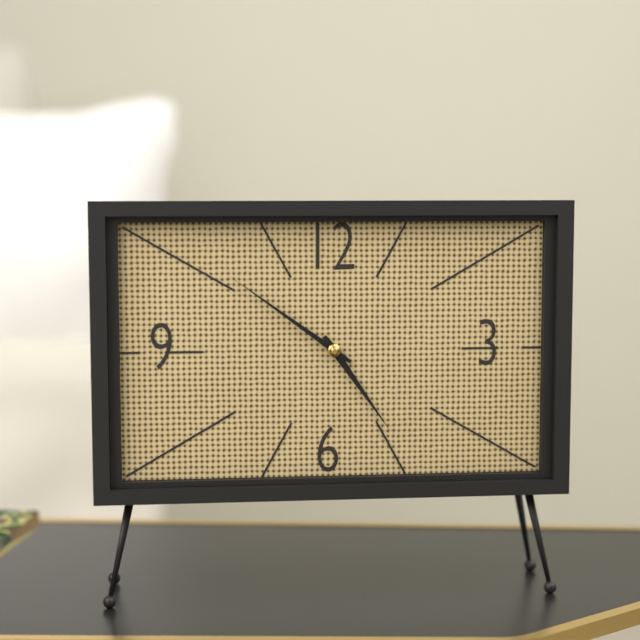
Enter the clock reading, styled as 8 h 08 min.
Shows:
4 h 51 min
